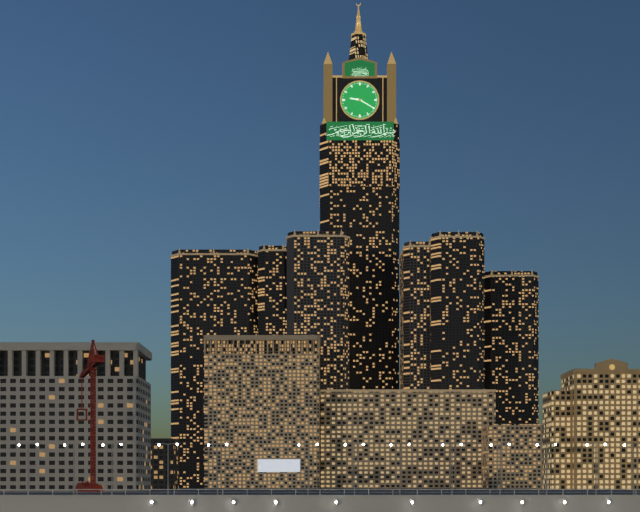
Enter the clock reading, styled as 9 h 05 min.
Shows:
9 h 20 min
